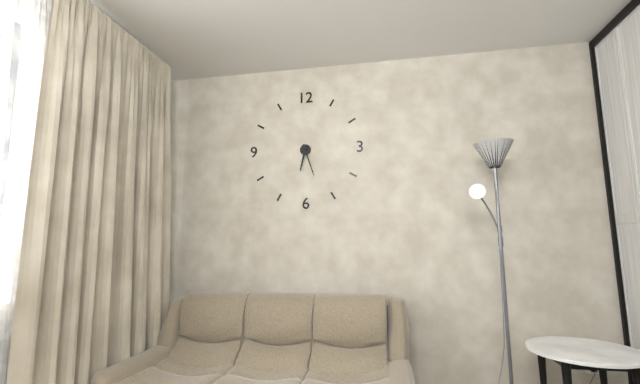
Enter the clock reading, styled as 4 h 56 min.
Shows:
6 h 27 min
